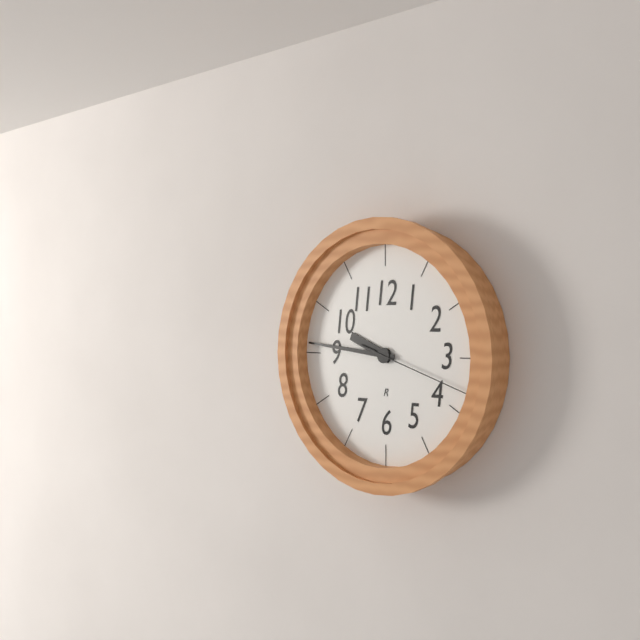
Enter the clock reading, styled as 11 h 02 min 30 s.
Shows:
9 h 46 min 18 s
